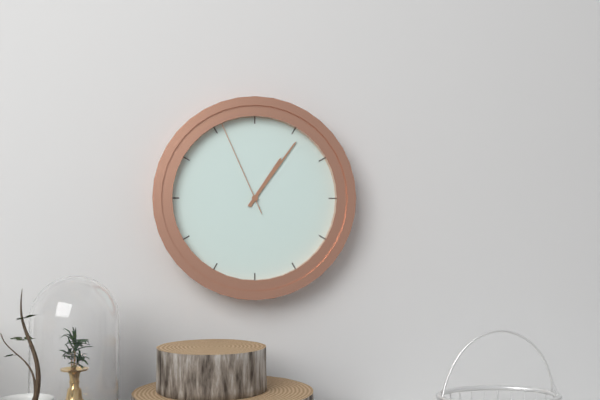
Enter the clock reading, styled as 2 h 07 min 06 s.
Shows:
1 h 06 min 56 s
